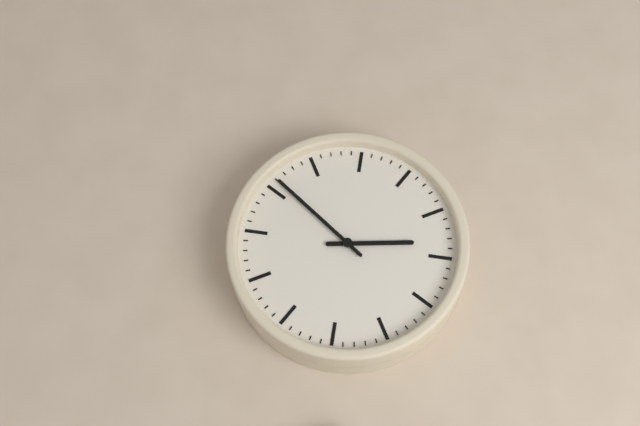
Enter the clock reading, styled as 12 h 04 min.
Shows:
12 h 41 min
